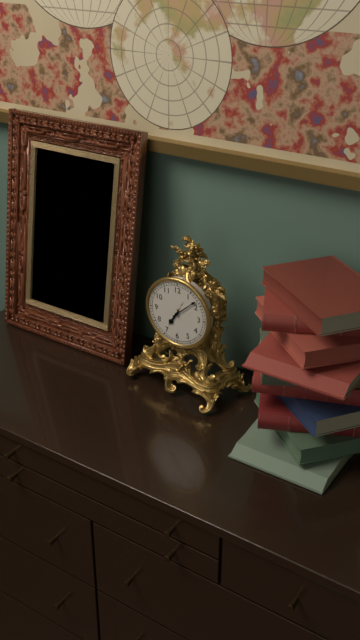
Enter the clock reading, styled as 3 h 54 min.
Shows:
7 h 08 min
